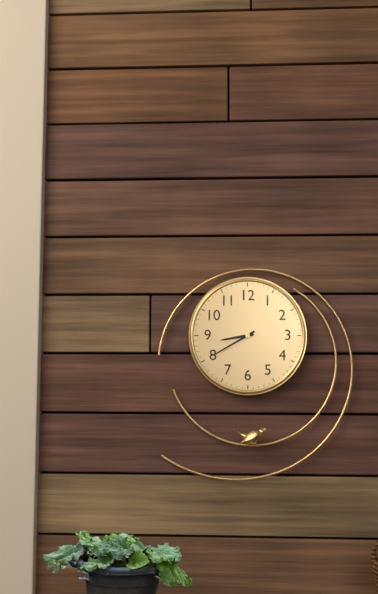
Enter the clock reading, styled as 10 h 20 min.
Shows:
8 h 40 min
